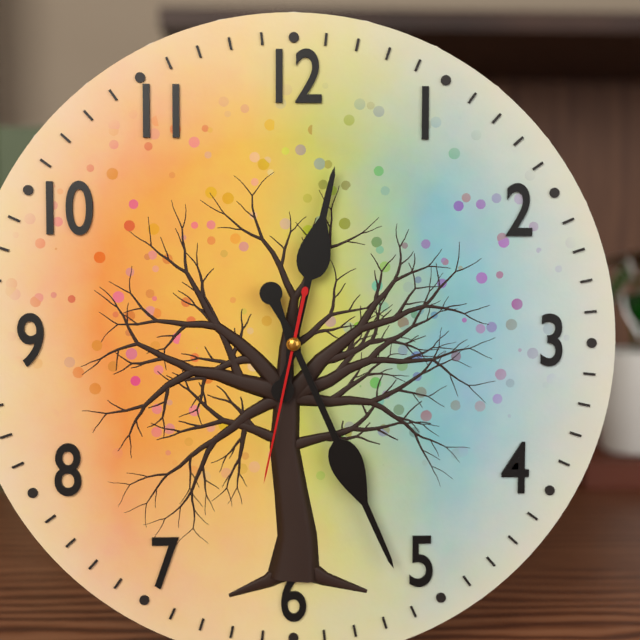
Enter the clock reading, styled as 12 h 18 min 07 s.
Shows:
12 h 26 min 32 s
